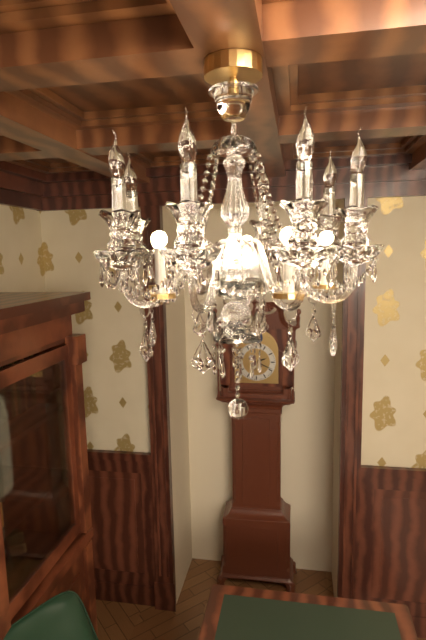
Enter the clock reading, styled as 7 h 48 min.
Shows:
2 h 19 min
